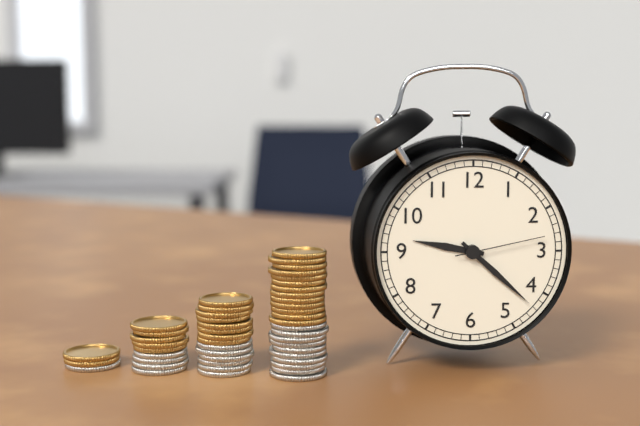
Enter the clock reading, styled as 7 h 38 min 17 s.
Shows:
9 h 22 min 13 s
